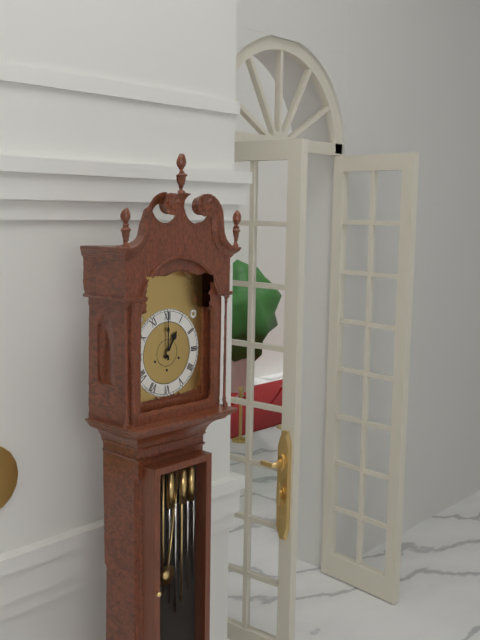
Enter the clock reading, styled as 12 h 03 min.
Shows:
1 h 00 min
